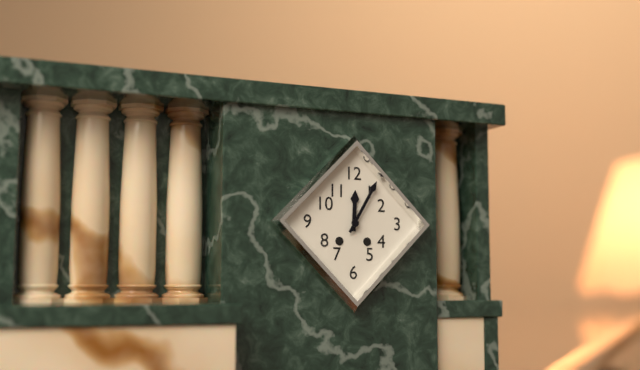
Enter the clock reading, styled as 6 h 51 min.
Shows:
12 h 05 min
